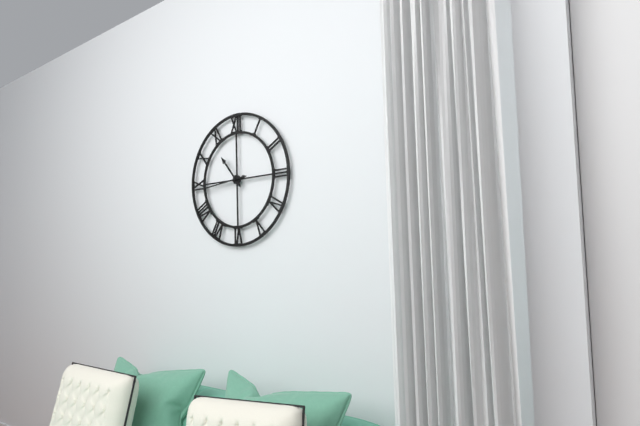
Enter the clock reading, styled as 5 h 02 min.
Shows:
10 h 44 min
